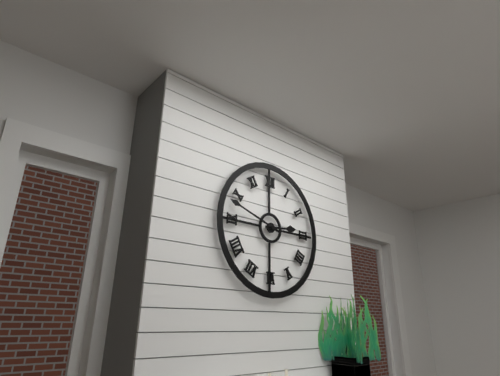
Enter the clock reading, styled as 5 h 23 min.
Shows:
2 h 48 min
